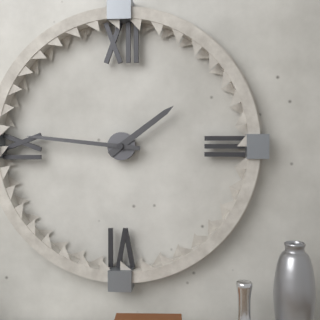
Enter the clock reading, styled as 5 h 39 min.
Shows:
1 h 46 min
